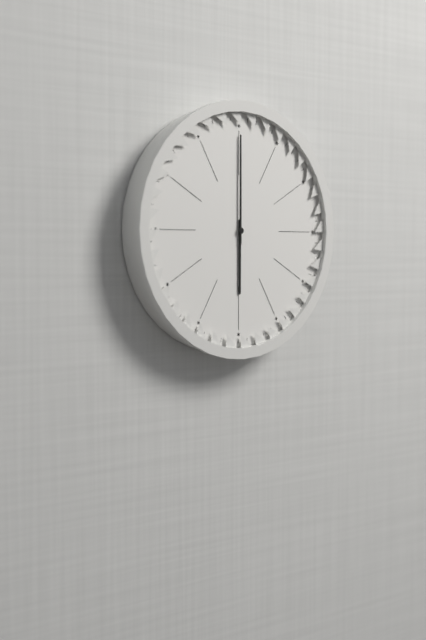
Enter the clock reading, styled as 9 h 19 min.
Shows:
6 h 00 min
